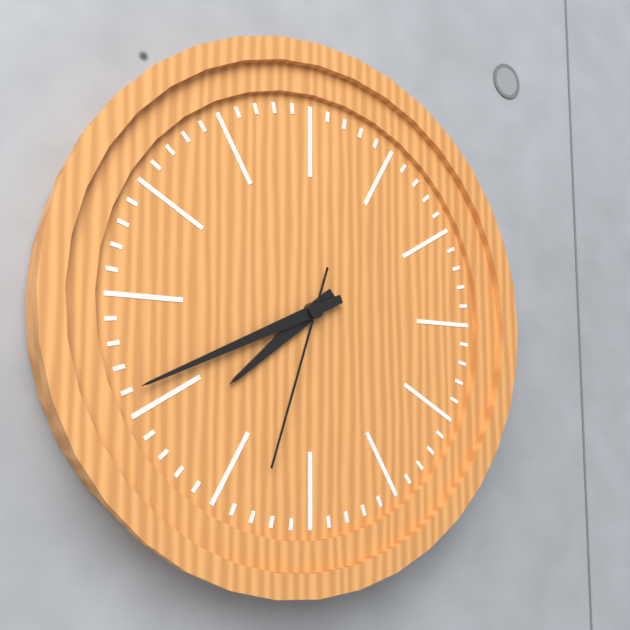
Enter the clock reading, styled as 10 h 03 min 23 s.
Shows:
7 h 41 min 33 s
